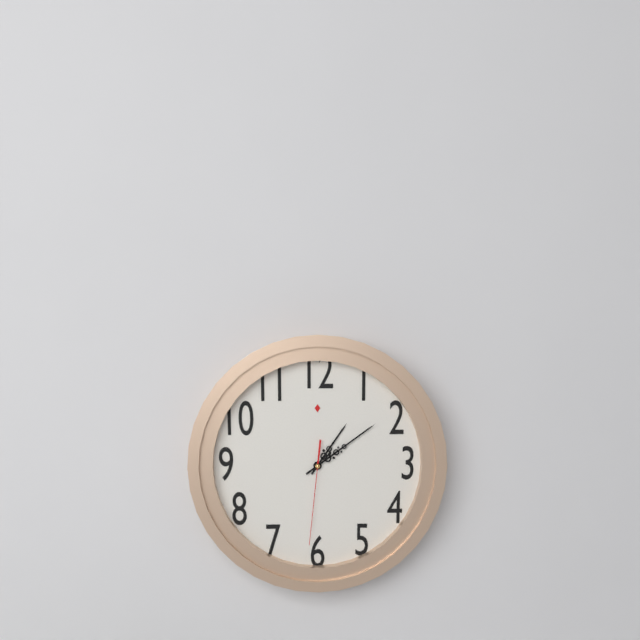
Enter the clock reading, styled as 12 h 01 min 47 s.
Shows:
1 h 09 min 31 s
